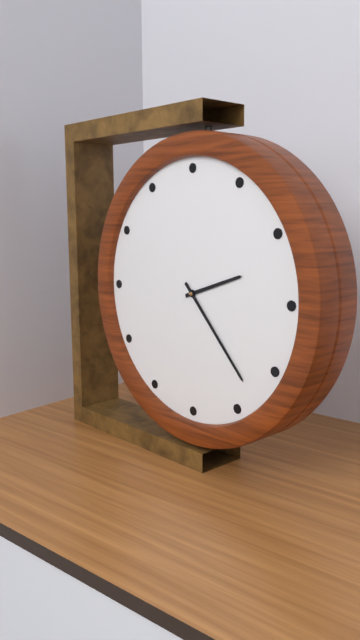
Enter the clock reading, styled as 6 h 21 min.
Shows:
2 h 23 min
